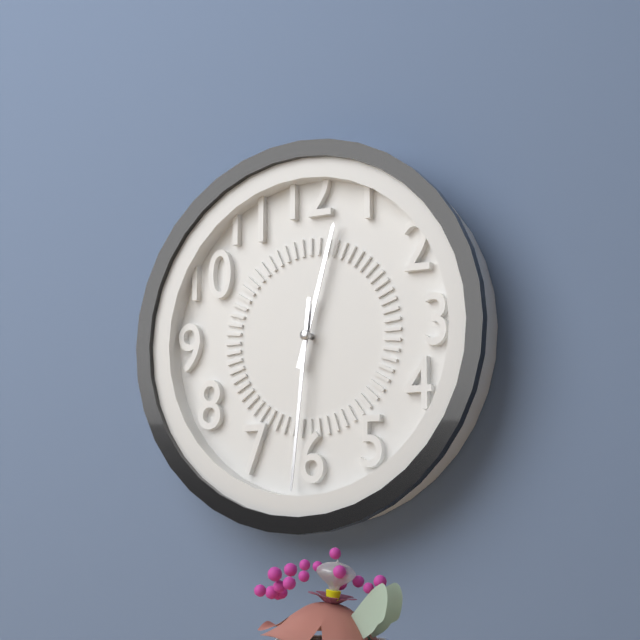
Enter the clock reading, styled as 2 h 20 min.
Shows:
12 h 31 min
